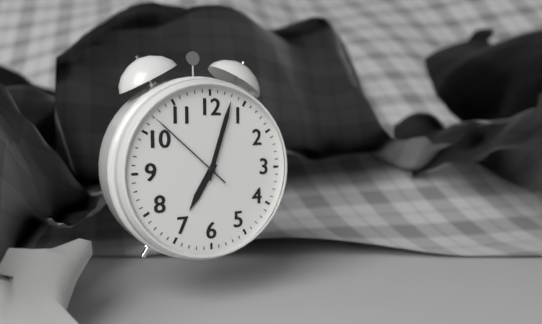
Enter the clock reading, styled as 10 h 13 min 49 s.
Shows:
7 h 03 min 52 s
